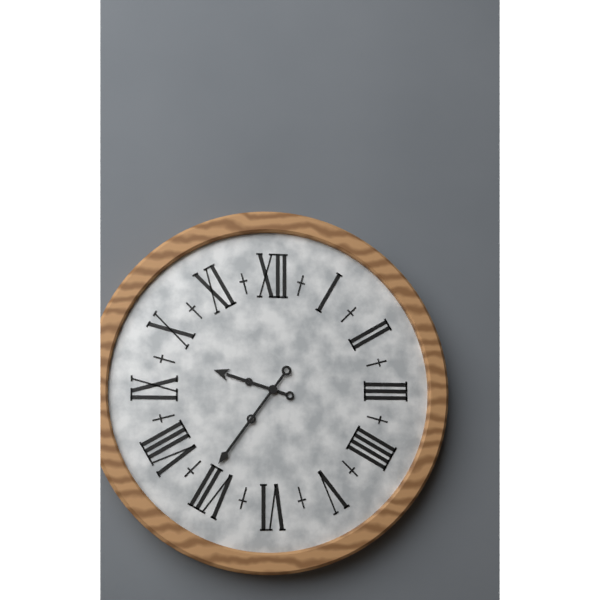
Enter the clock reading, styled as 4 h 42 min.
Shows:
9 h 36 min
